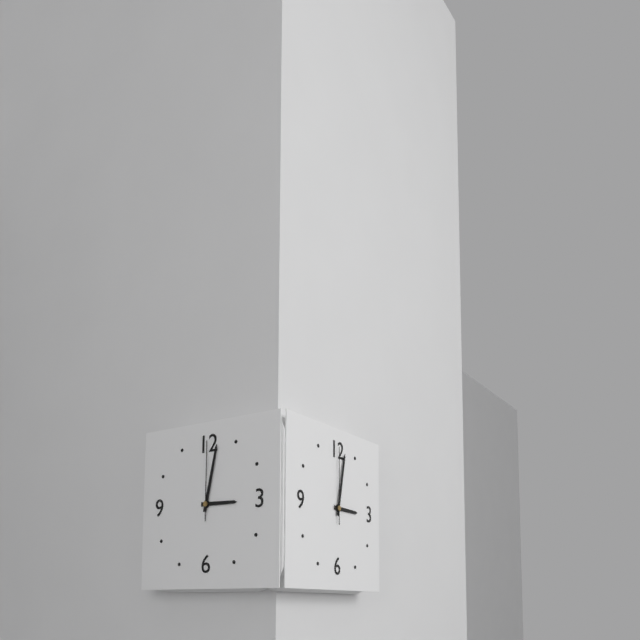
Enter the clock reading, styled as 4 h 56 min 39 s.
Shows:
3 h 02 min 00 s
